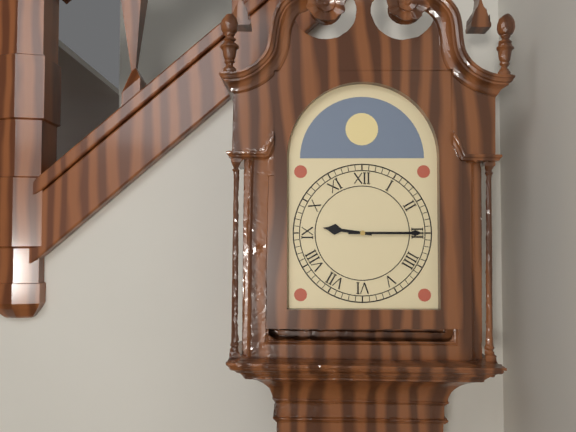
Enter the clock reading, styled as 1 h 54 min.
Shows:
9 h 15 min
